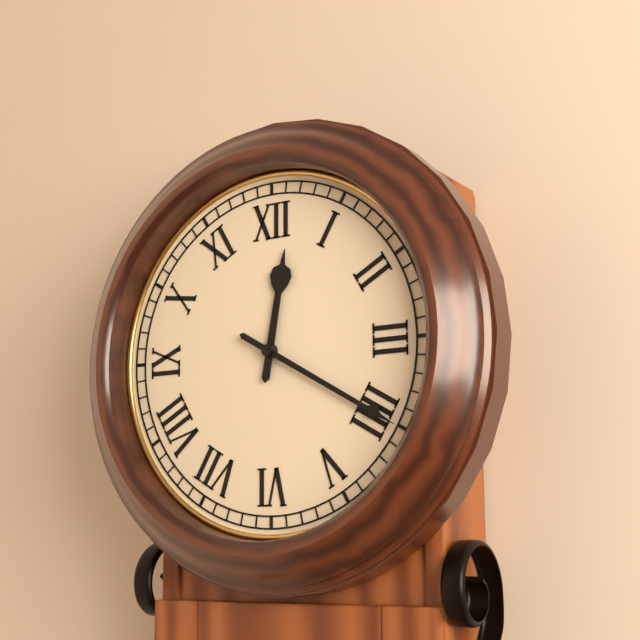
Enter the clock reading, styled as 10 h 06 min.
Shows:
12 h 20 min
